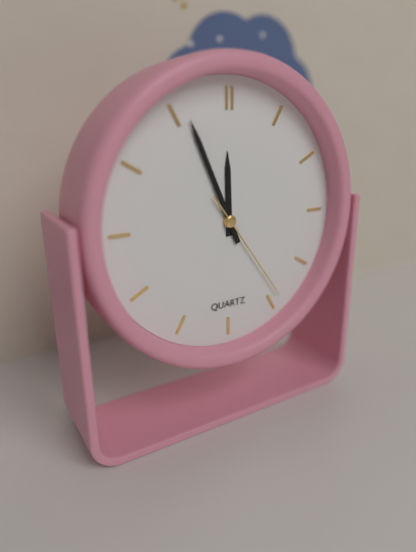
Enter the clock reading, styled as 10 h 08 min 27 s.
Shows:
11 h 56 min 24 s
